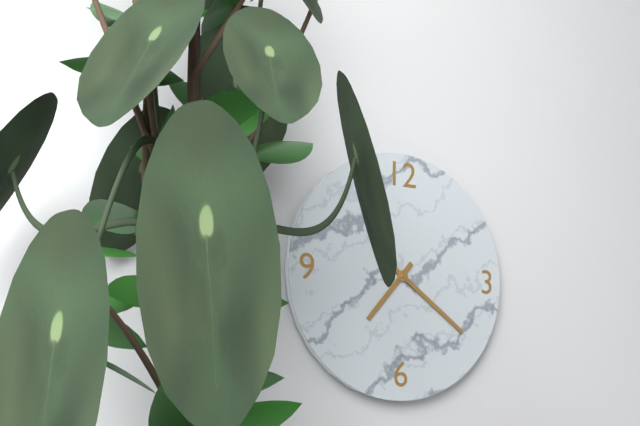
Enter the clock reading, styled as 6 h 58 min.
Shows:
7 h 21 min
